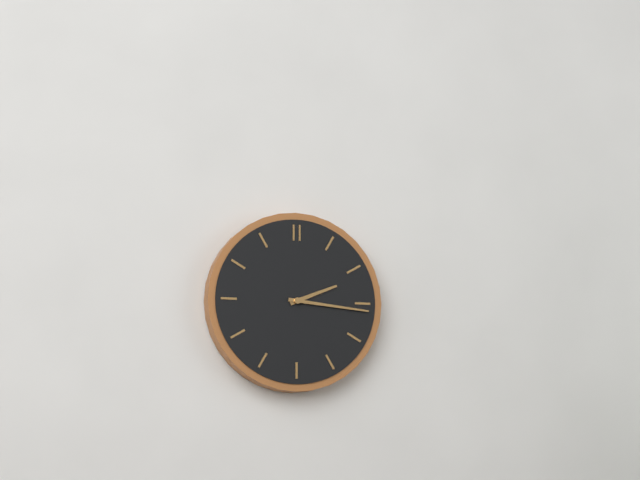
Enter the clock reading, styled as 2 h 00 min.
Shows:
2 h 16 min
